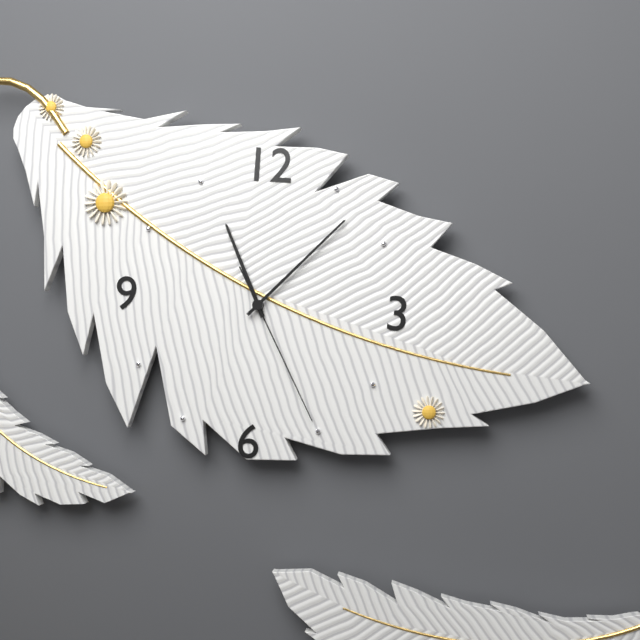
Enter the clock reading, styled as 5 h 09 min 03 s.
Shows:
11 h 07 min 25 s
